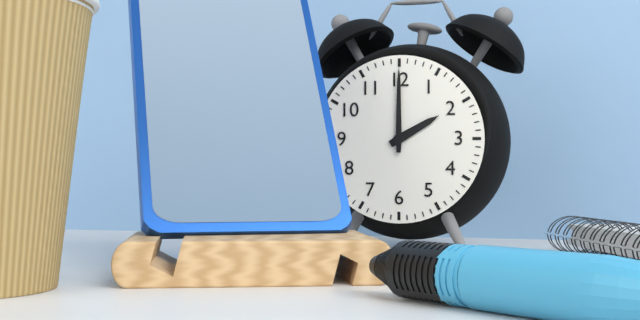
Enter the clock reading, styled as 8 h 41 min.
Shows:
2 h 00 min
